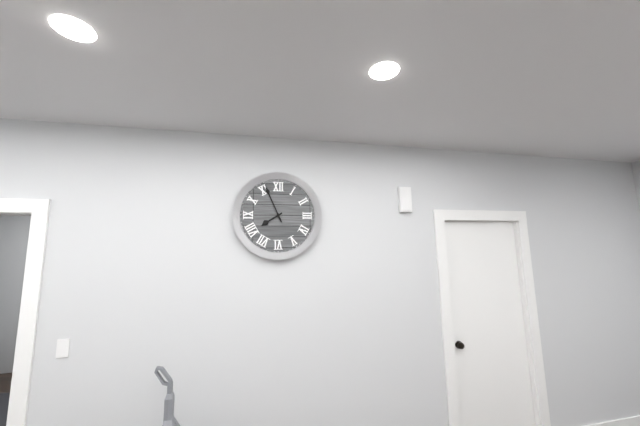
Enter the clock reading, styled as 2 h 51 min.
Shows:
7 h 56 min
